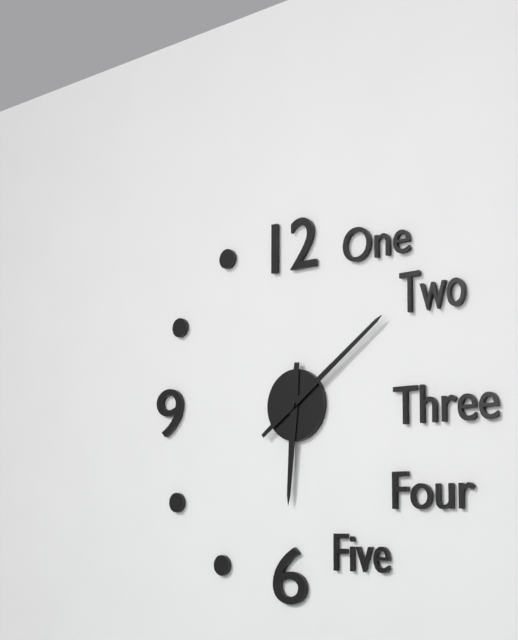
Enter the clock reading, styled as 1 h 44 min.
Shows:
6 h 09 min
